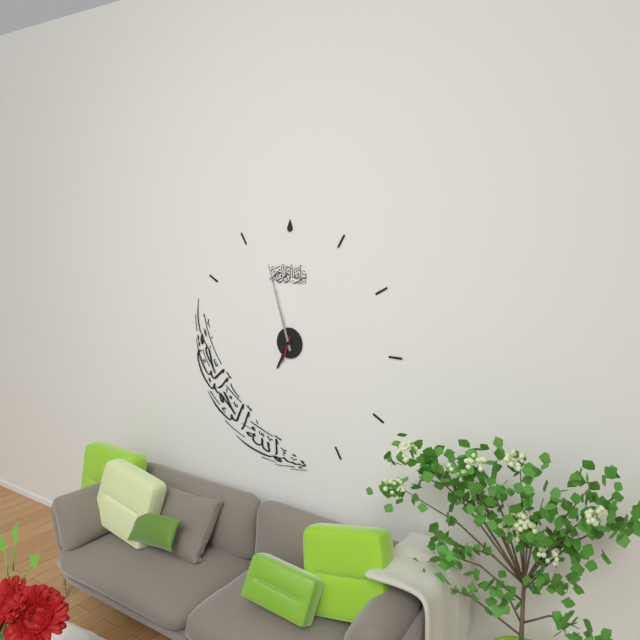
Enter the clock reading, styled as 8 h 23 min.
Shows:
6 h 57 min
